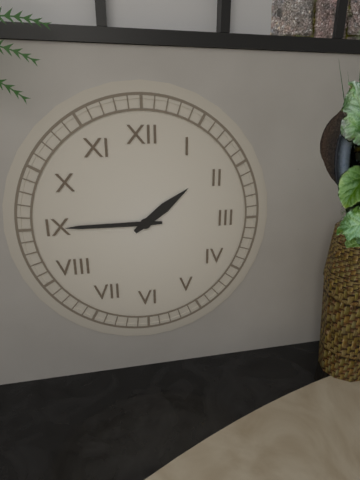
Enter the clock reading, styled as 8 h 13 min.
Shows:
1 h 45 min
